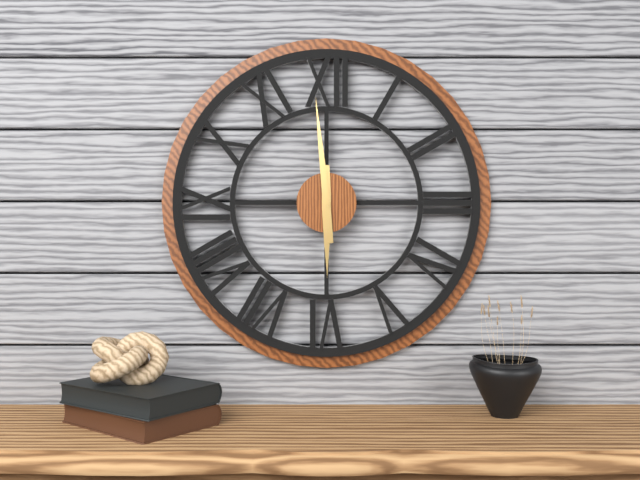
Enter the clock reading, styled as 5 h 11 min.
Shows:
5 h 59 min
